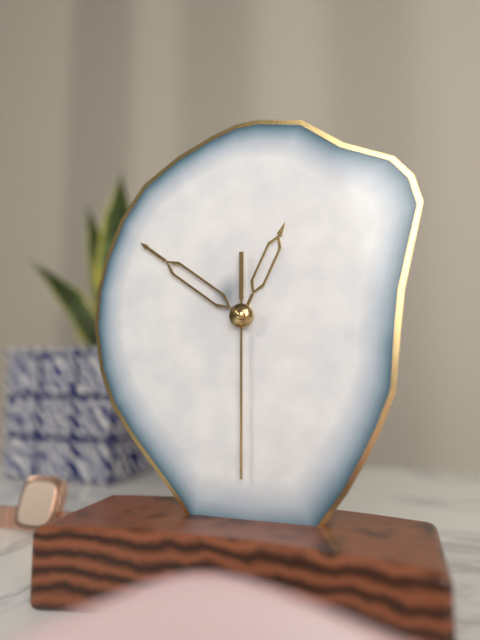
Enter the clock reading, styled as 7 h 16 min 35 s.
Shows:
12 h 51 min 30 s
